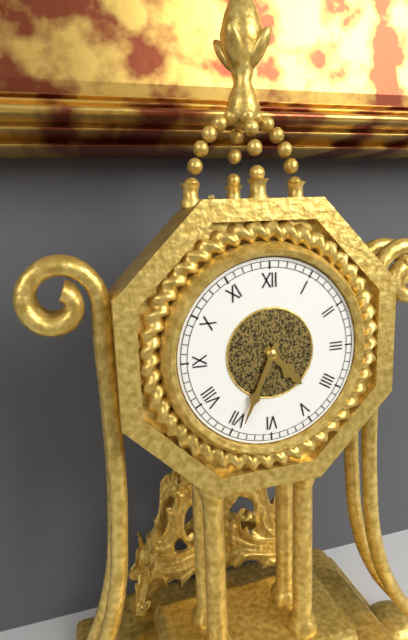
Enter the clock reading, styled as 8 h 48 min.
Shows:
4 h 34 min
